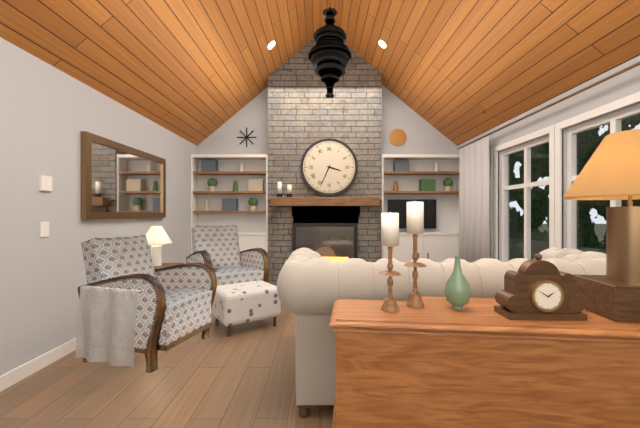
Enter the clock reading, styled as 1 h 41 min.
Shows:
3 h 34 min
